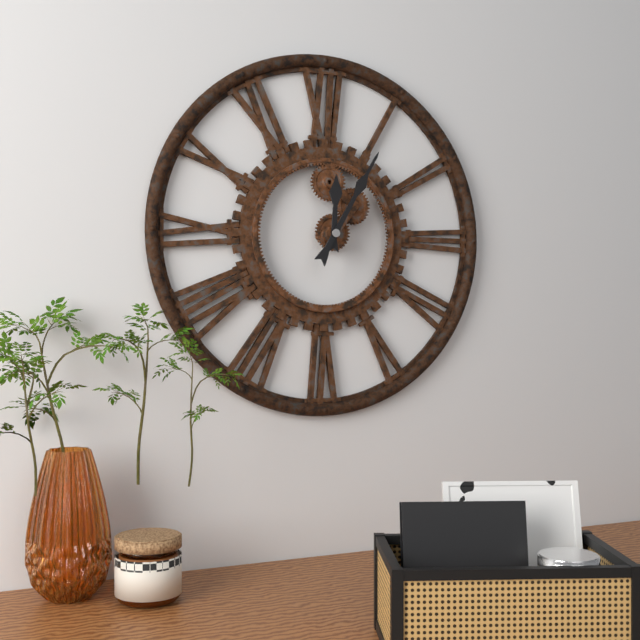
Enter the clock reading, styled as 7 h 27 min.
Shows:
12 h 05 min
